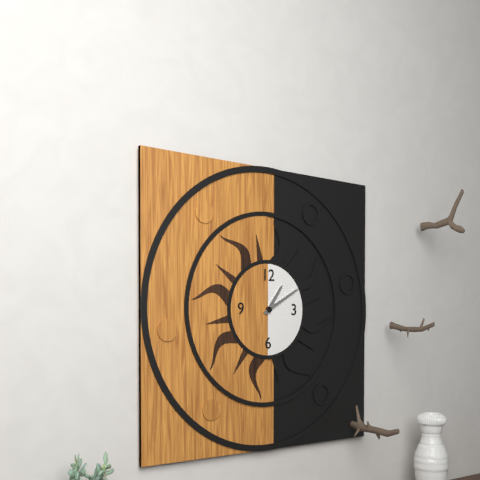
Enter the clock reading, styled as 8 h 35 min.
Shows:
1 h 10 min
